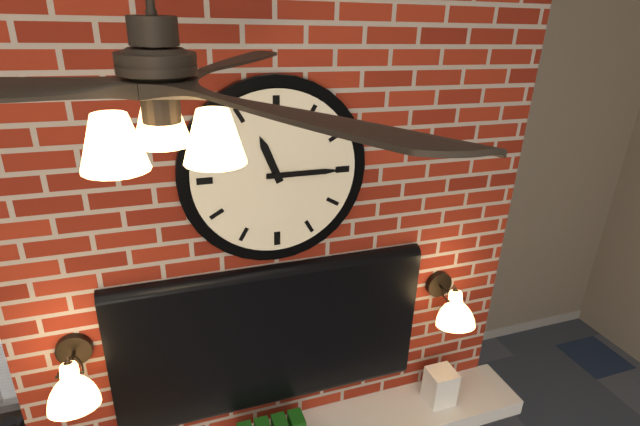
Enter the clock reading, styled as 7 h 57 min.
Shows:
11 h 15 min
